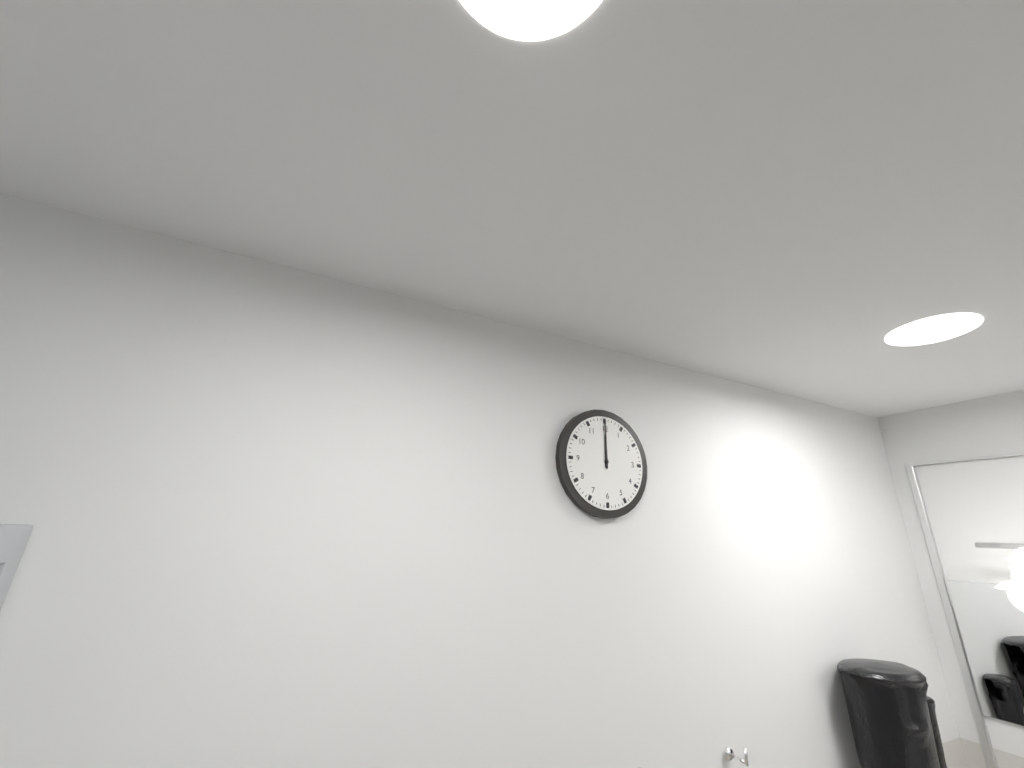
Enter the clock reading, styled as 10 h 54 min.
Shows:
12 h 00 min
